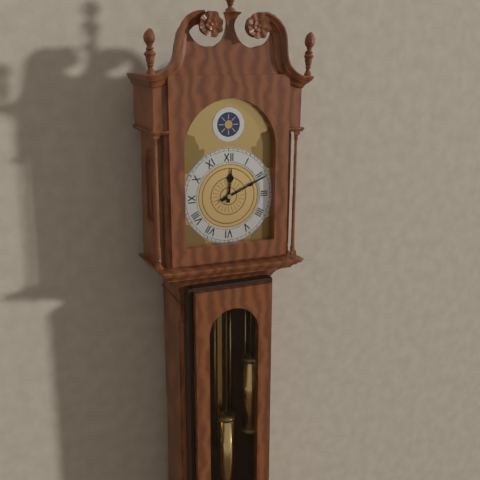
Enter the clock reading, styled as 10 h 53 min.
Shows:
12 h 11 min
